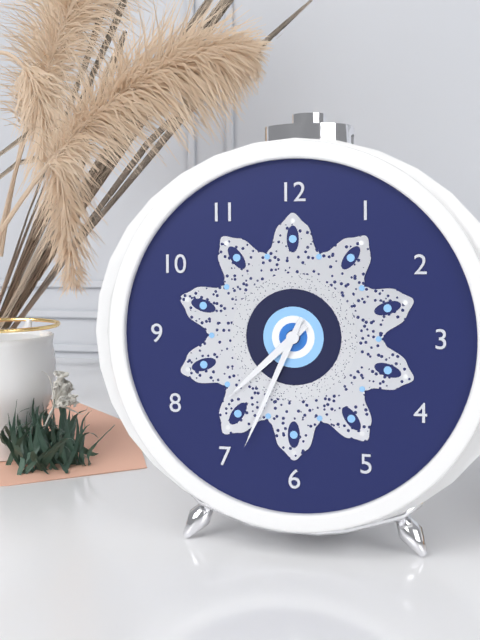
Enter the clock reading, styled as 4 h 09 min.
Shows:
7 h 34 min
